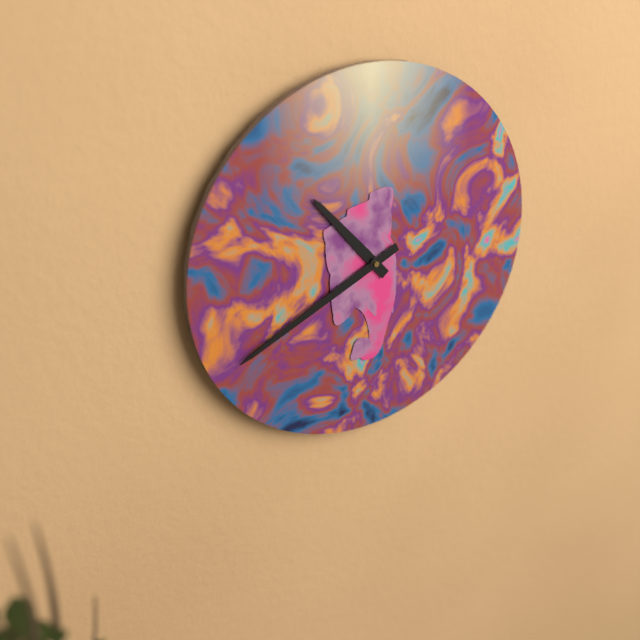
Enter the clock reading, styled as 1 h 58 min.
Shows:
10 h 41 min
